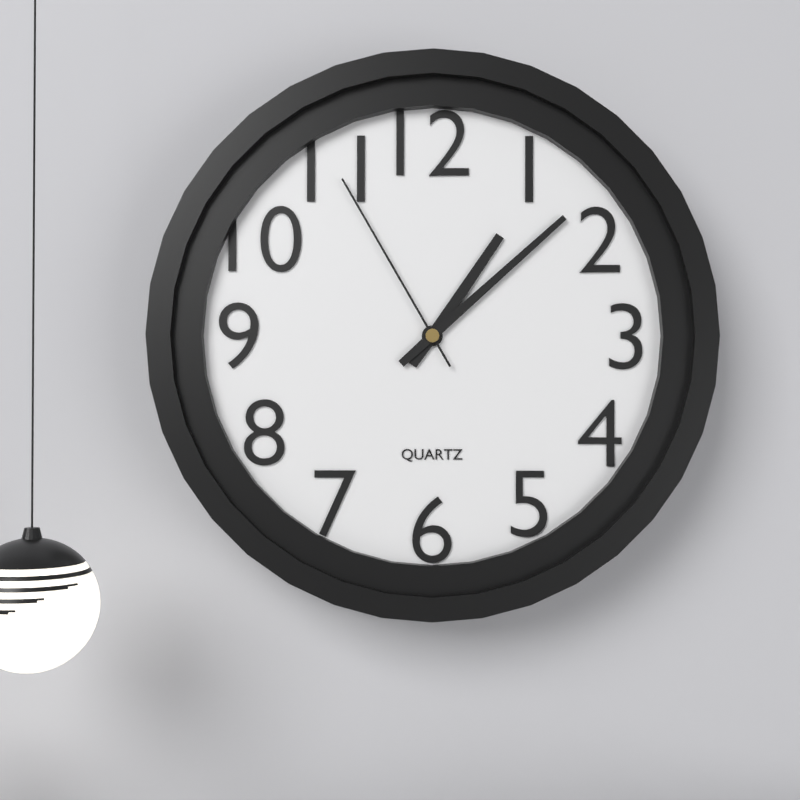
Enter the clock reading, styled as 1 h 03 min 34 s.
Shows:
1 h 08 min 55 s
